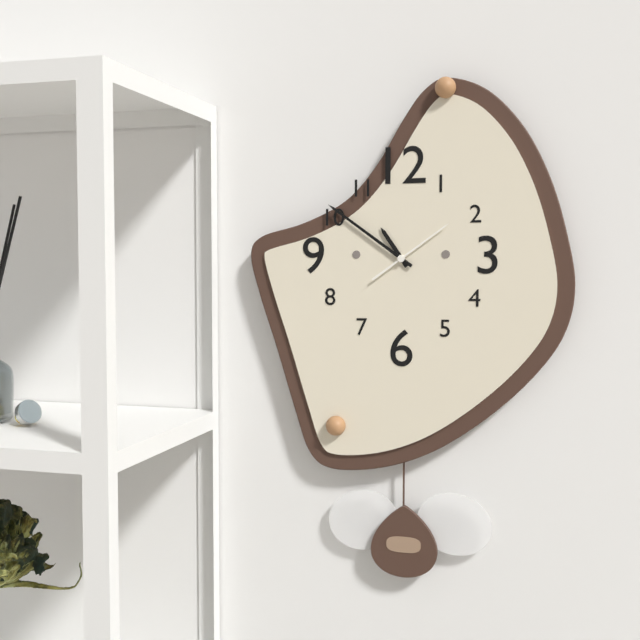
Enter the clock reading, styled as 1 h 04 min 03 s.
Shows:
10 h 51 min 09 s
